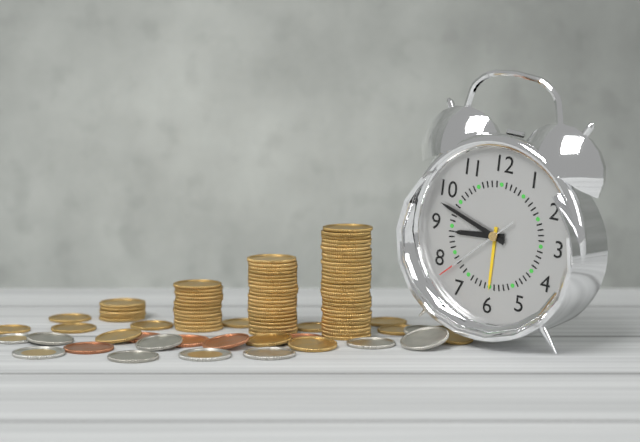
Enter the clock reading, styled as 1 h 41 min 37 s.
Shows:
8 h 48 min 38 s
